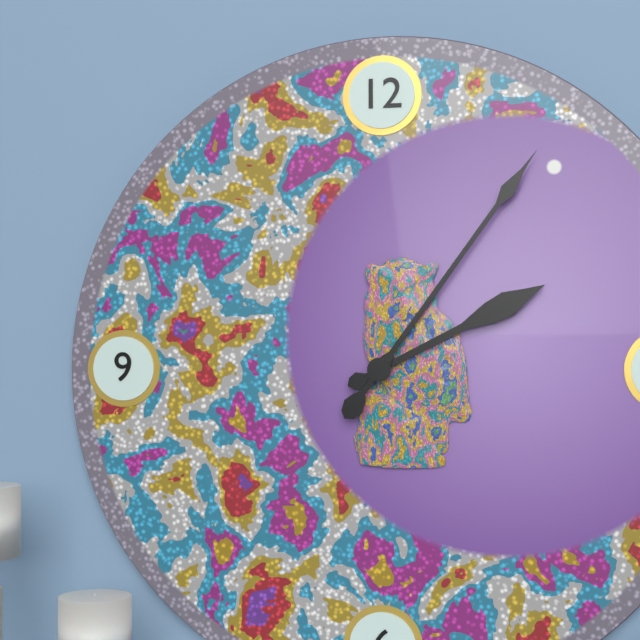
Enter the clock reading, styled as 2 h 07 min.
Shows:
2 h 06 min
